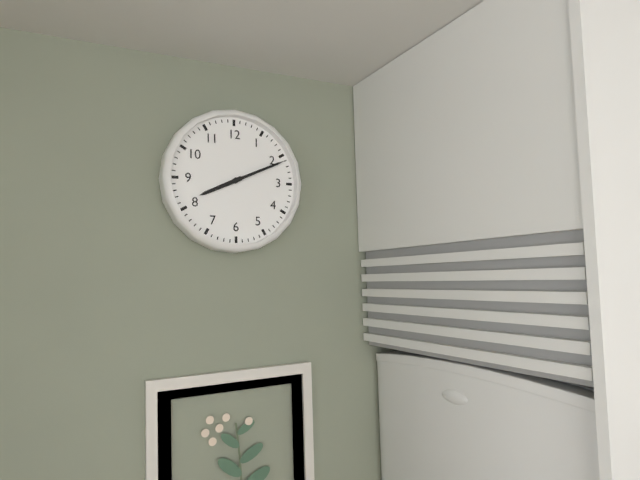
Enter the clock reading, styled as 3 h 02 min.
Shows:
8 h 11 min
